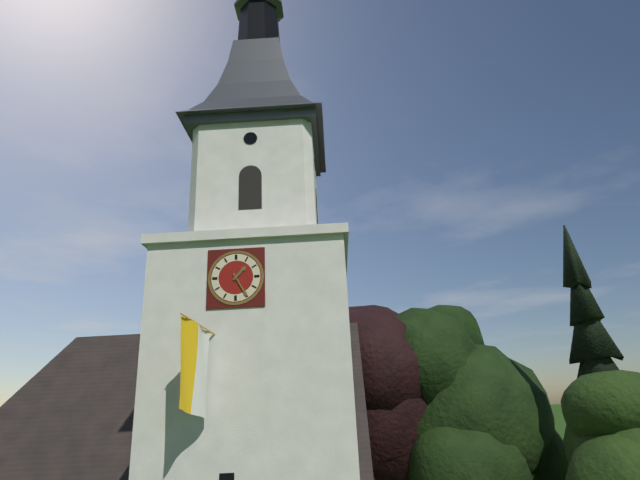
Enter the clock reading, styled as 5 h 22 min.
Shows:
1 h 25 min
